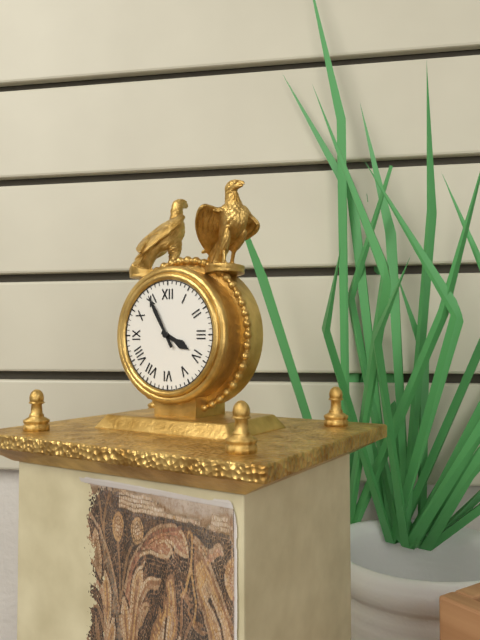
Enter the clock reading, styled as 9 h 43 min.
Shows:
3 h 55 min
